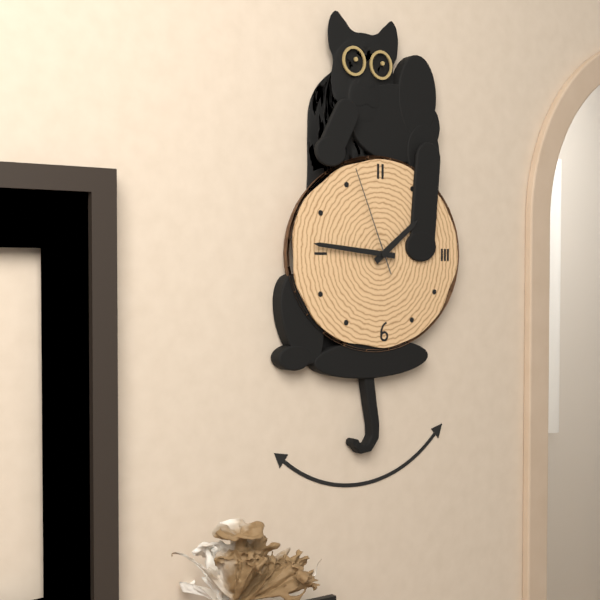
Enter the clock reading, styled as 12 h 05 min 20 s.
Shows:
1 h 46 min 56 s
